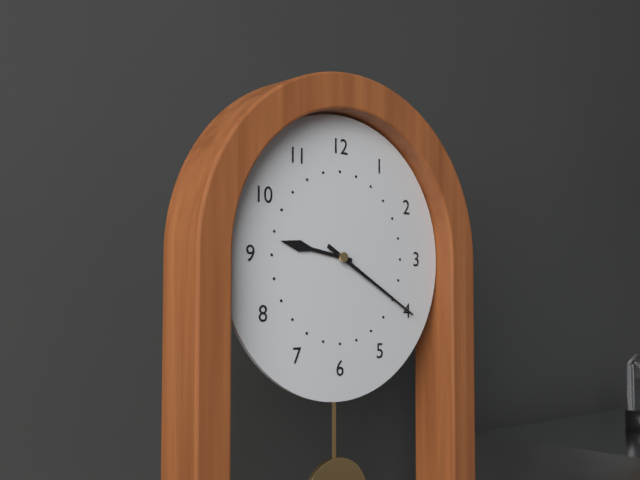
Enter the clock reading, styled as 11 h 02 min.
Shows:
9 h 20 min
